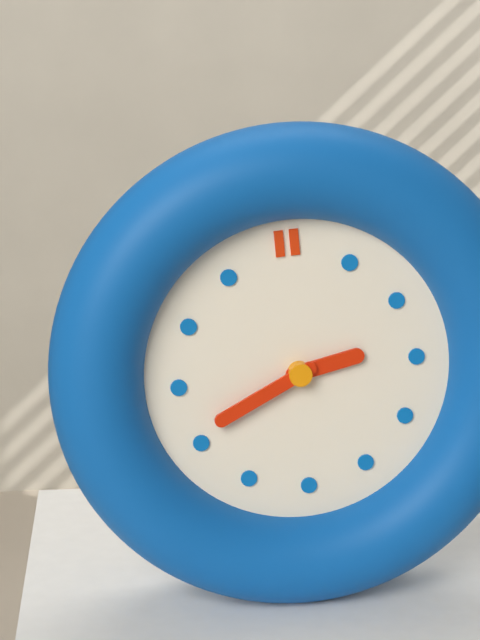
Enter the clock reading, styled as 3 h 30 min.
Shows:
2 h 41 min
